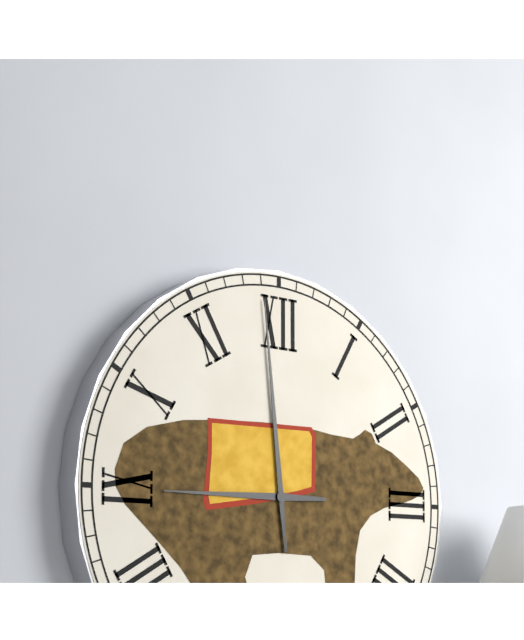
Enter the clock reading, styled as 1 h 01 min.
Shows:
8 h 59 min
